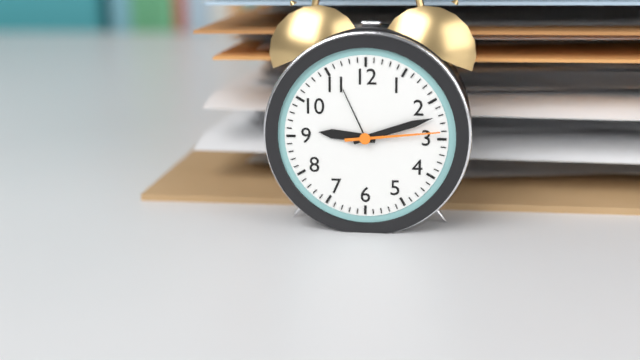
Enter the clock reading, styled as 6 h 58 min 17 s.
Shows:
9 h 12 min 14 s
